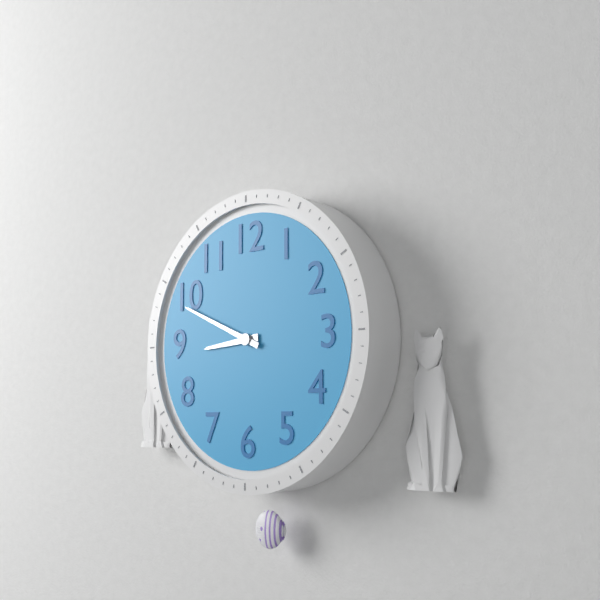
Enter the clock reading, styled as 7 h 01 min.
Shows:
8 h 49 min
